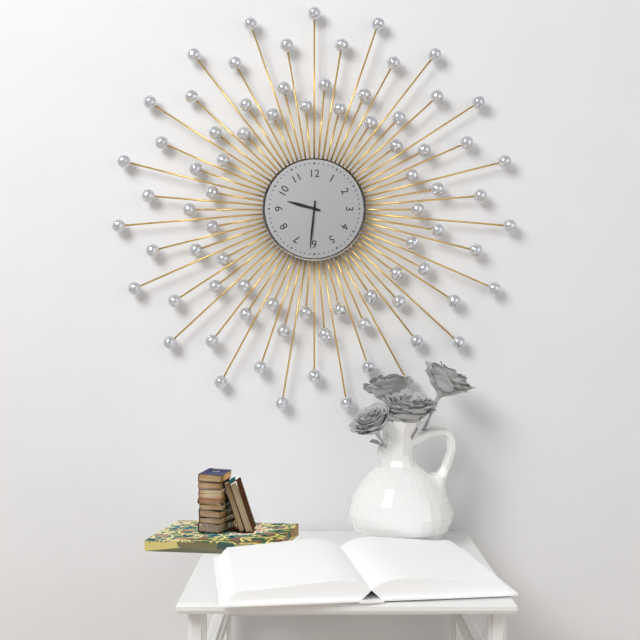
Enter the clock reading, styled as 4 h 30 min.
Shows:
9 h 31 min
